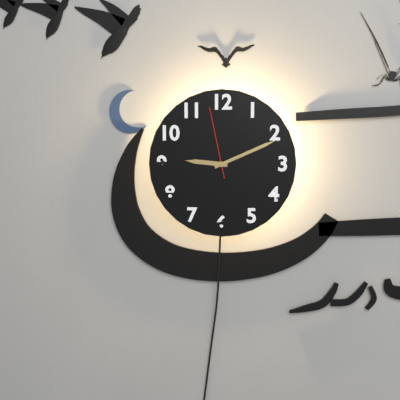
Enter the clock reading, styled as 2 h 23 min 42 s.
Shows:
9 h 11 min 58 s
